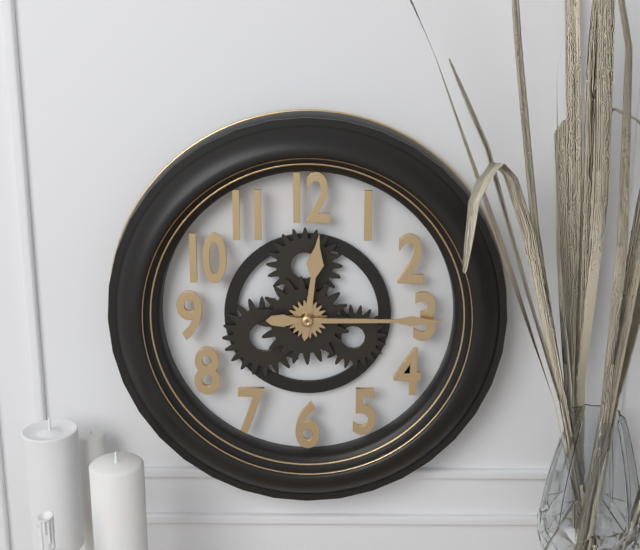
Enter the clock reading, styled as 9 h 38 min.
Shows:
12 h 15 min
